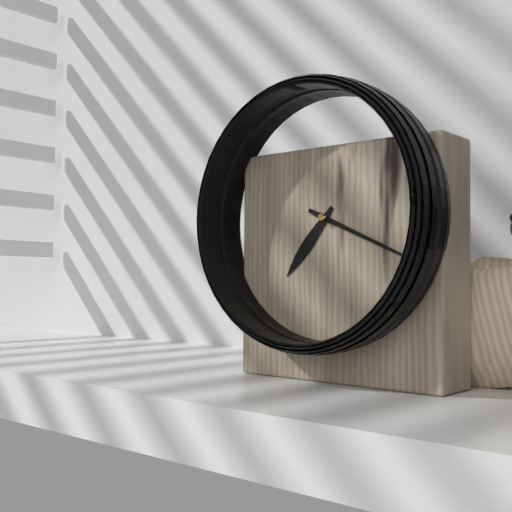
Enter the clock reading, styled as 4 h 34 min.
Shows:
7 h 19 min
